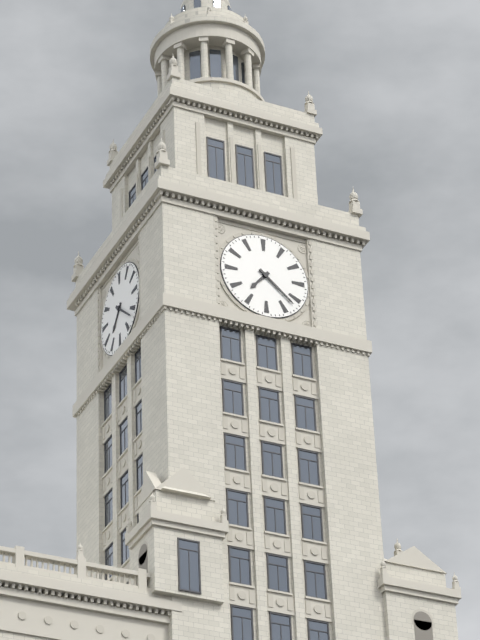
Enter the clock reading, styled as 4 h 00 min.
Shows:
7 h 22 min
